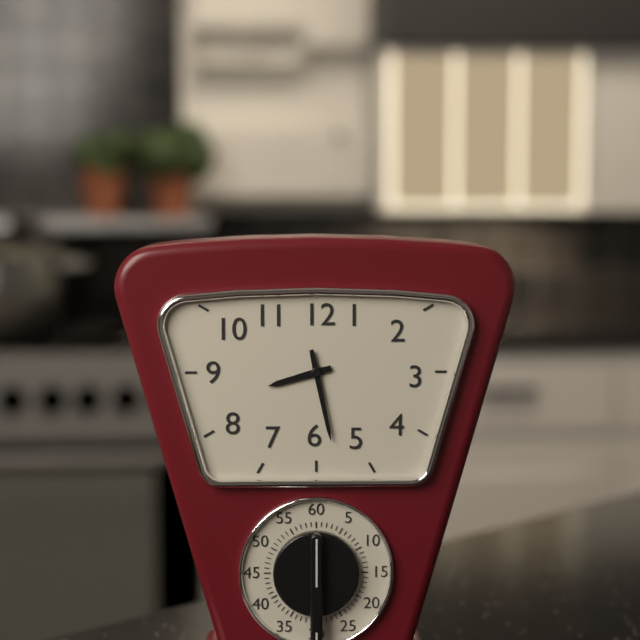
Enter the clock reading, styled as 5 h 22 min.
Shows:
8 h 28 min
